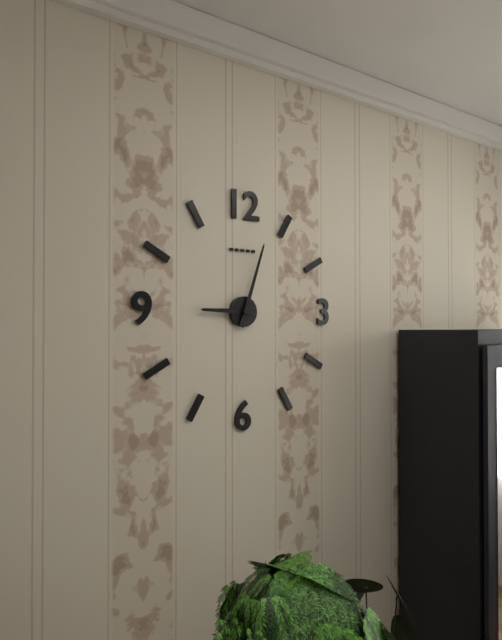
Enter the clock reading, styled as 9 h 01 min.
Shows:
9 h 03 min
